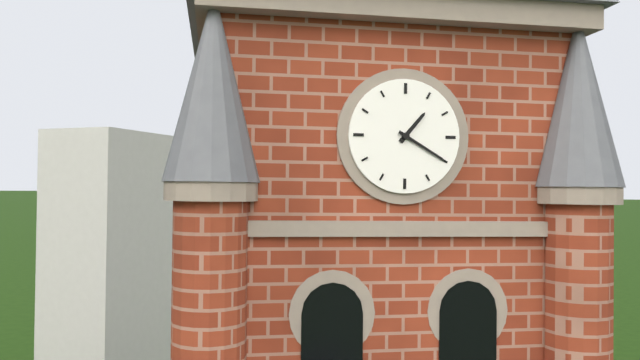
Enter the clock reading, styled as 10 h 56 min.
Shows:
1 h 20 min
